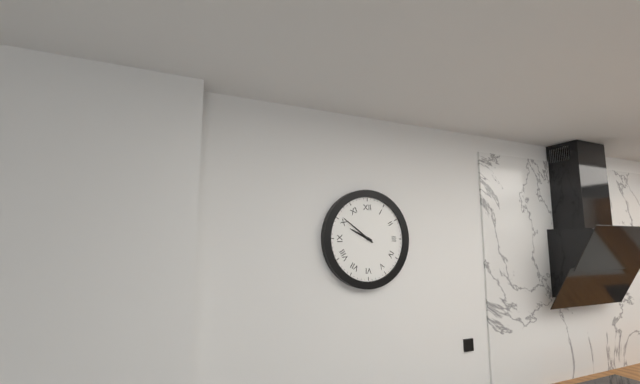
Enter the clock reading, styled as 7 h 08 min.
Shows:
9 h 51 min
